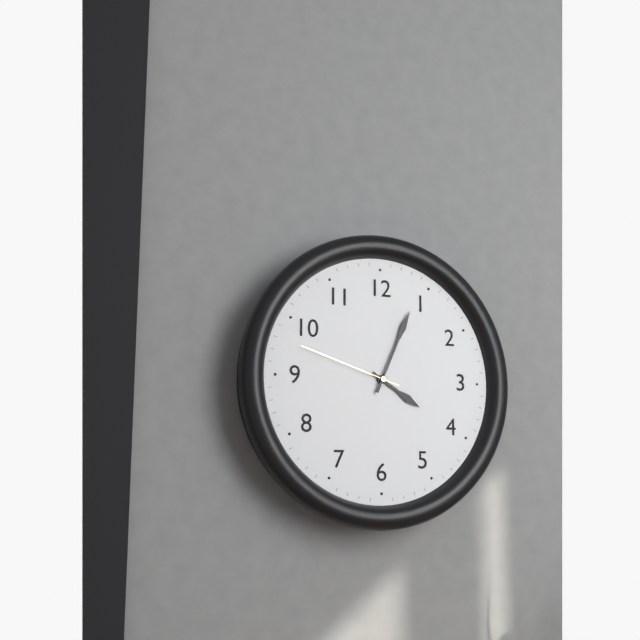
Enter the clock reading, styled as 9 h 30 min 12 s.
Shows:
4 h 04 min 48 s
